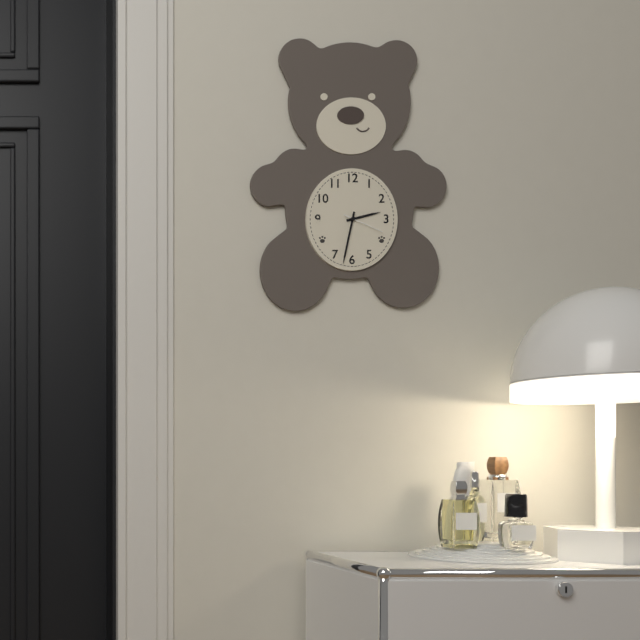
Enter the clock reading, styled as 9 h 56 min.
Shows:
2 h 32 min
